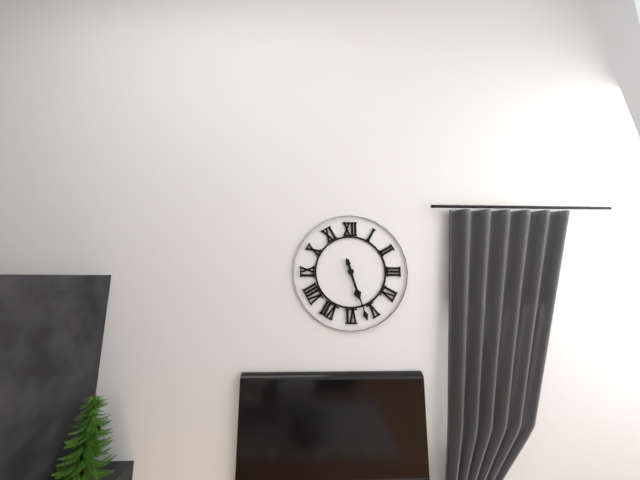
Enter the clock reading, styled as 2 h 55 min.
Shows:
5 h 27 min
